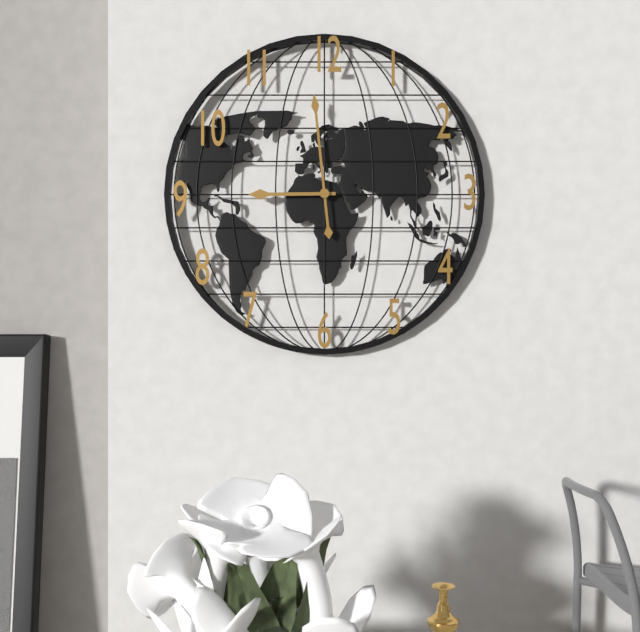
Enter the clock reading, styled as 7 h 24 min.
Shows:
8 h 59 min
